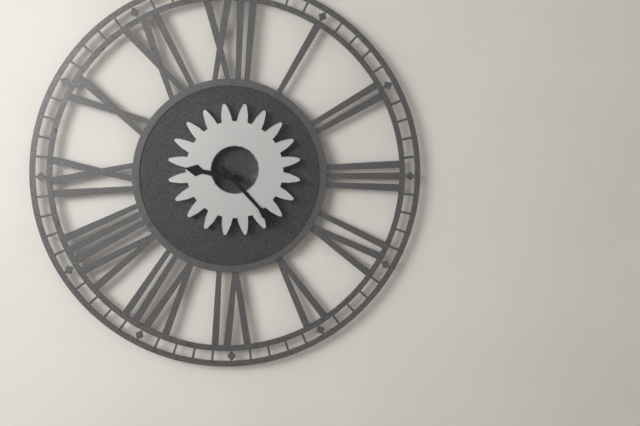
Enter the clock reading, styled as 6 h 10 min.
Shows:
9 h 23 min
